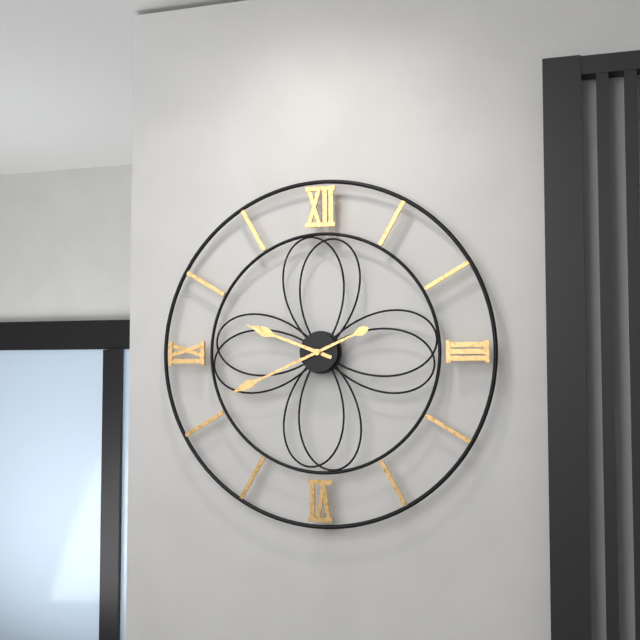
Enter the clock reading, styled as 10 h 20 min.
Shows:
9 h 41 min
